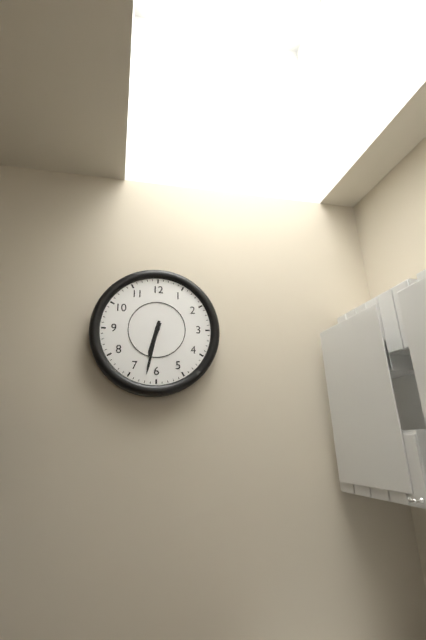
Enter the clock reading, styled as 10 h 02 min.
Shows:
6 h 32 min
